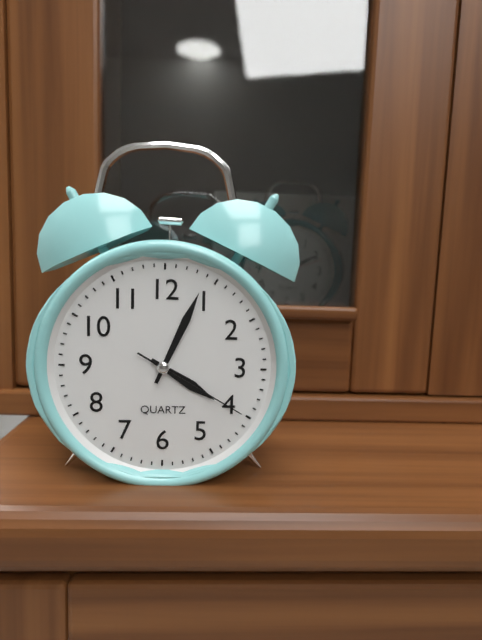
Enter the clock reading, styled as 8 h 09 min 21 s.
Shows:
4 h 04 min 20 s
